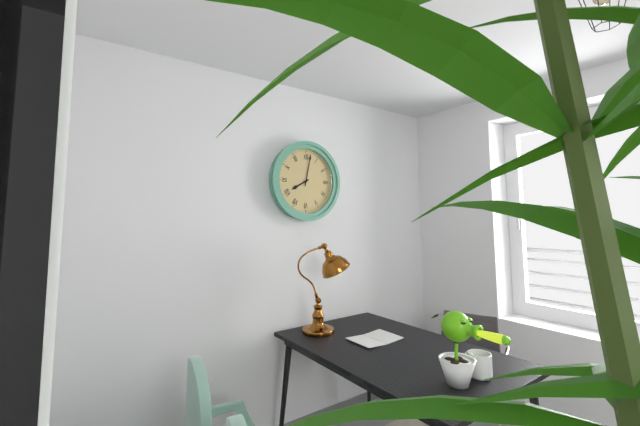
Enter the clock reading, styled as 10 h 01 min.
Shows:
8 h 02 min
